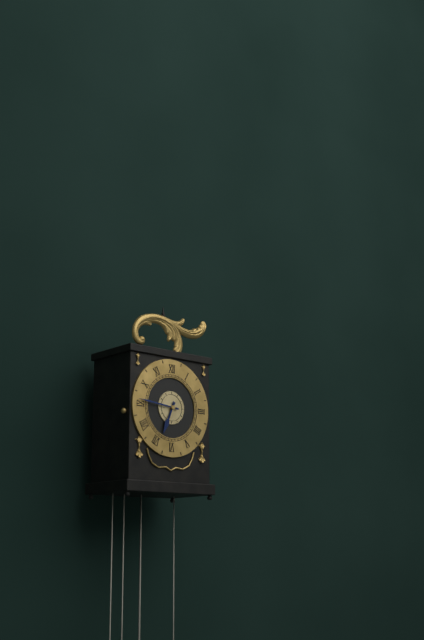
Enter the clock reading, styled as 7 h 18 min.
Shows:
6 h 46 min
